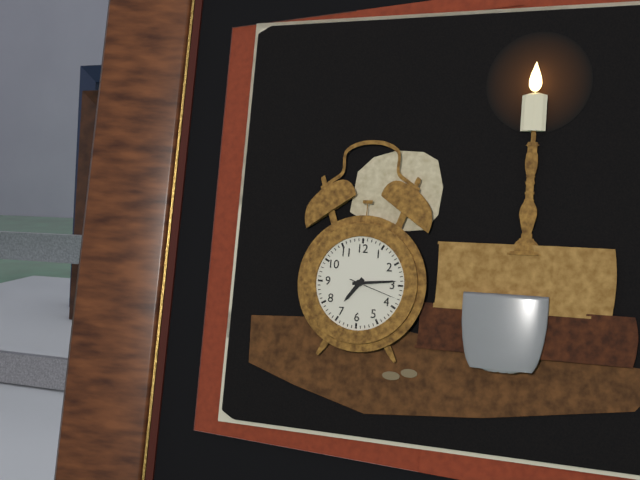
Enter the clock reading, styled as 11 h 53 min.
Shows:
7 h 14 min
